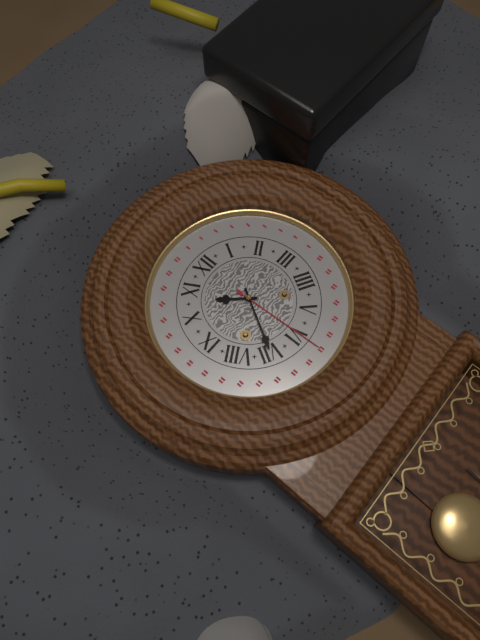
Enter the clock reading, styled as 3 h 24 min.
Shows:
10 h 35 min
